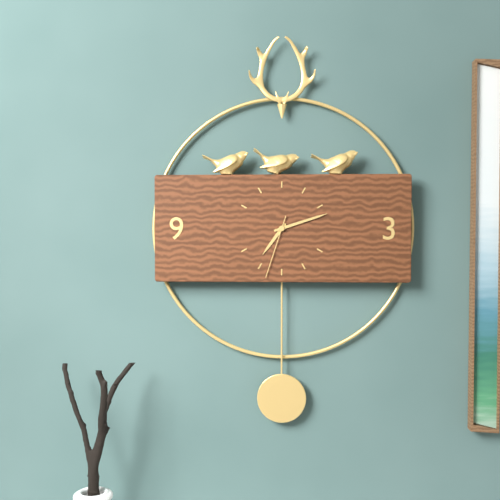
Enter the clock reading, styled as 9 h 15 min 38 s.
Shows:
7 h 12 min 33 s
